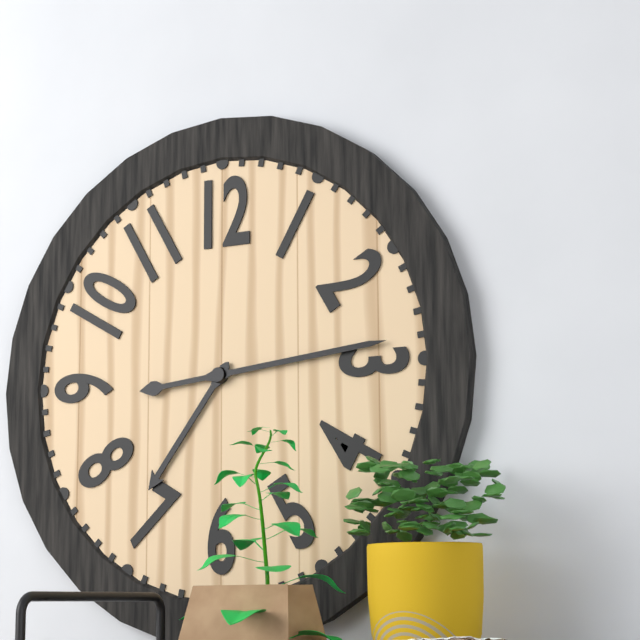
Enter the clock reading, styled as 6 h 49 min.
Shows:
7 h 14 min
